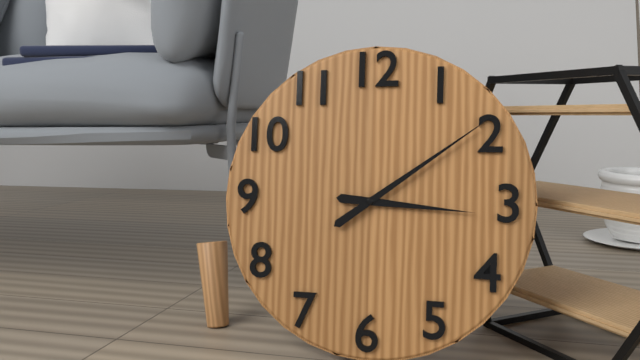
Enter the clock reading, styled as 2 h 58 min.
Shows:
3 h 09 min
